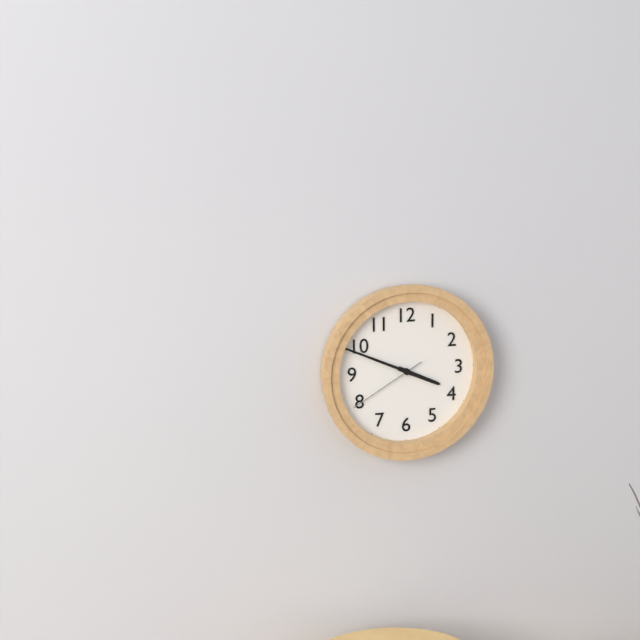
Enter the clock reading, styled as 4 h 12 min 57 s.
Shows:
3 h 49 min 40 s
